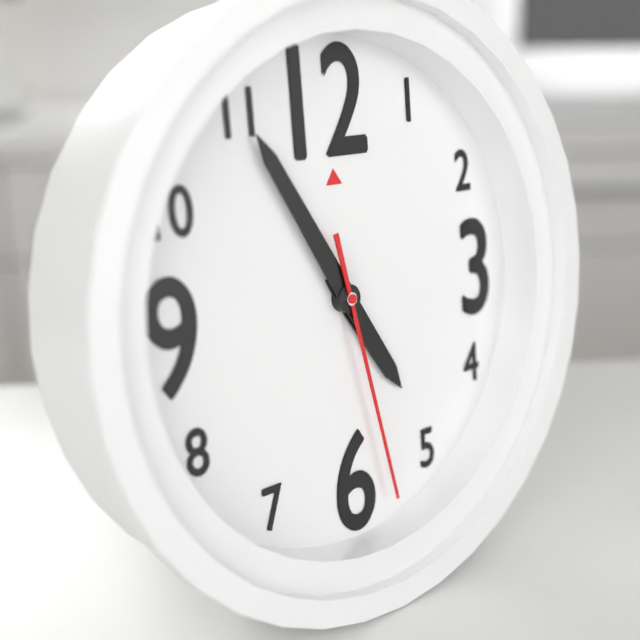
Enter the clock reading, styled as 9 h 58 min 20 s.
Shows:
4 h 55 min 28 s
